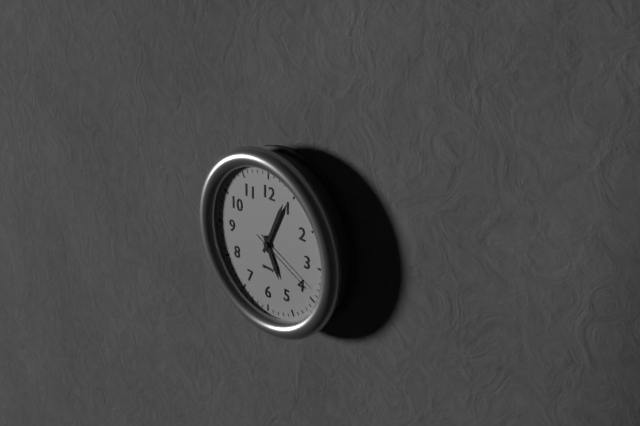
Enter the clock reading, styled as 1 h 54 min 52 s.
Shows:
5 h 04 min 19 s
